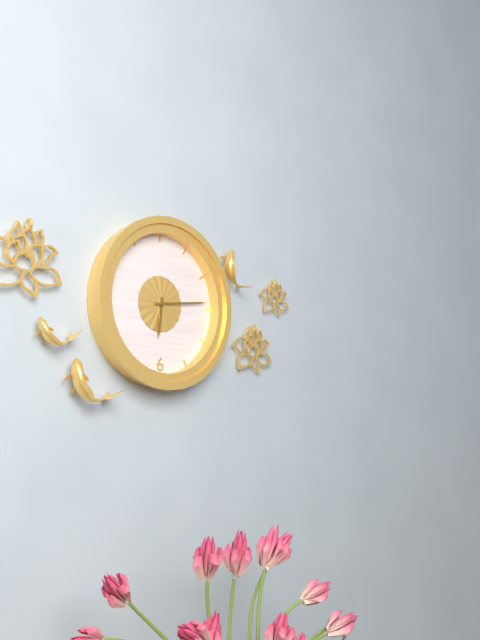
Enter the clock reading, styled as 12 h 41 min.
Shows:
6 h 14 min
